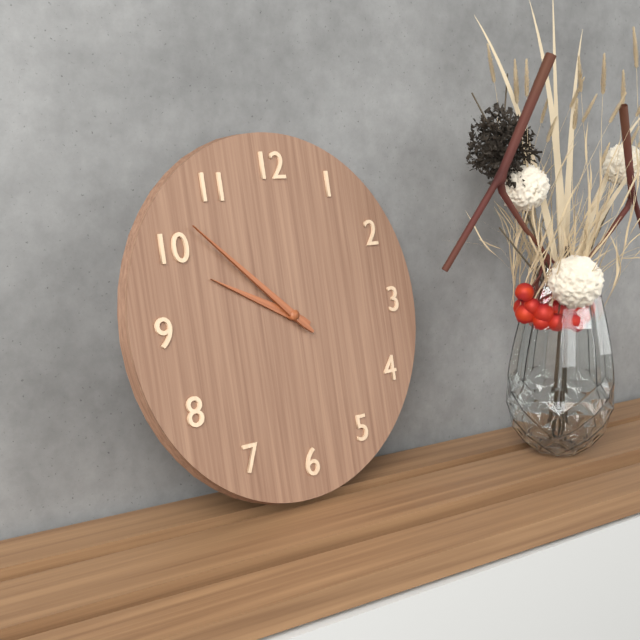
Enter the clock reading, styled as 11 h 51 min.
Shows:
9 h 52 min
